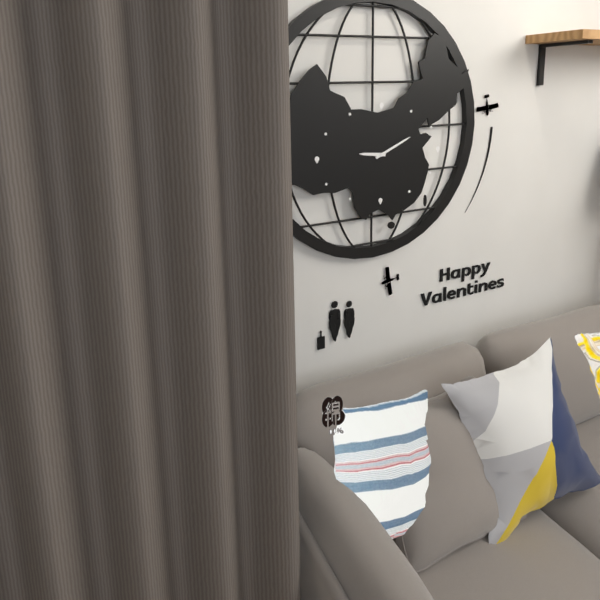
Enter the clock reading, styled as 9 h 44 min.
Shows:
9 h 11 min
